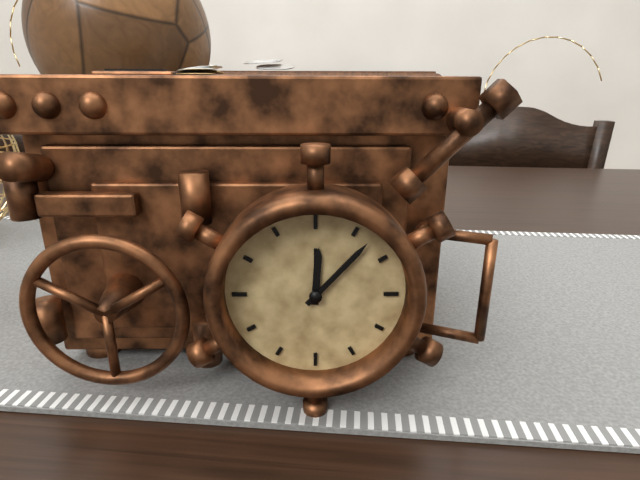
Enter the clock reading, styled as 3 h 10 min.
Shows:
12 h 07 min
